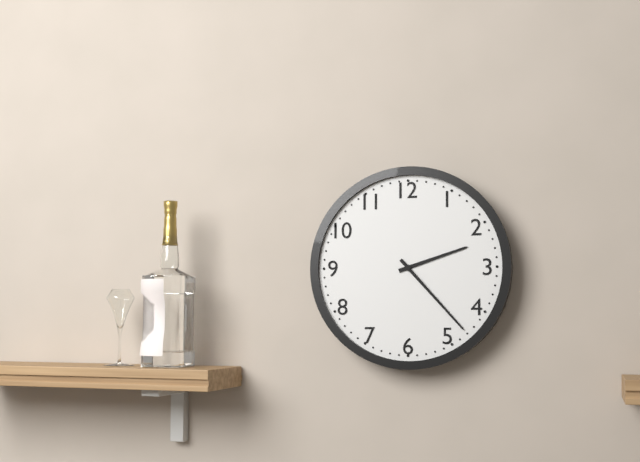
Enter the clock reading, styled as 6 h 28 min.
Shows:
2 h 23 min
